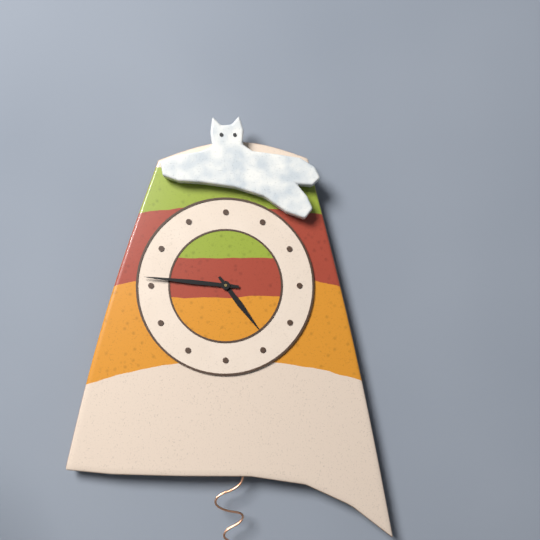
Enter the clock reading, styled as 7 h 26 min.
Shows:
4 h 46 min
